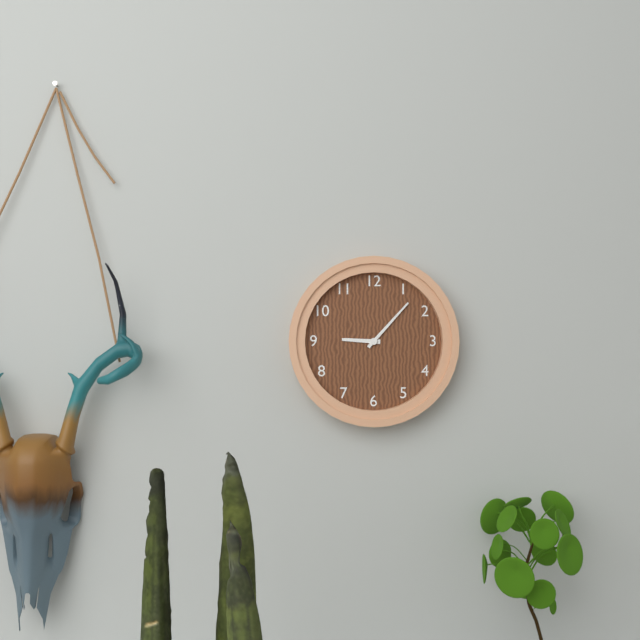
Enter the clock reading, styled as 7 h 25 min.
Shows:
9 h 07 min
